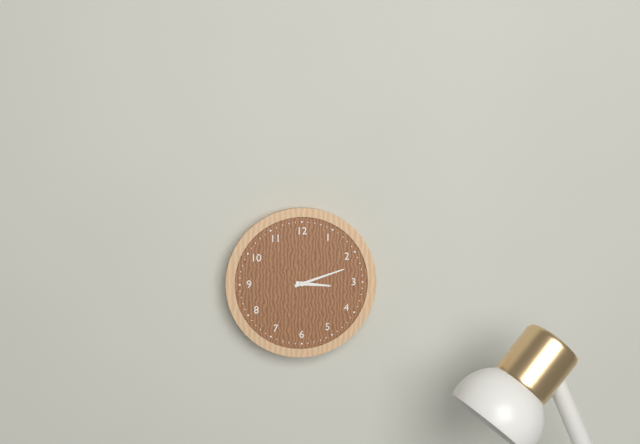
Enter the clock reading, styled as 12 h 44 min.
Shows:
3 h 12 min
